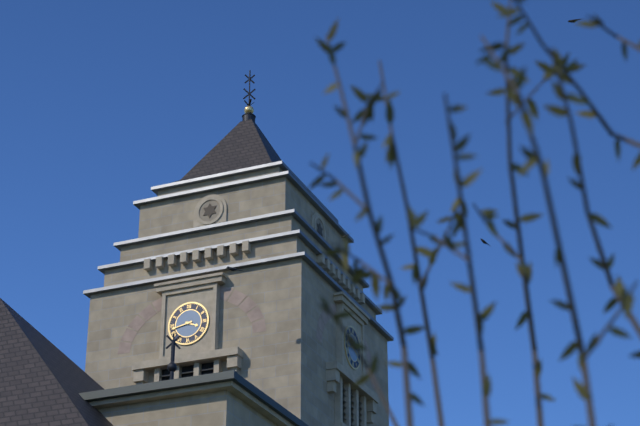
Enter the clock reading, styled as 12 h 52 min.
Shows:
3 h 43 min
